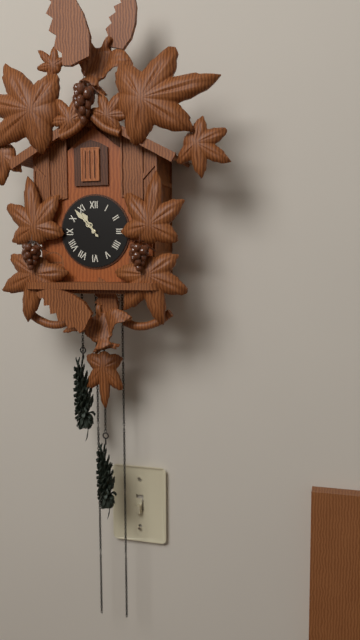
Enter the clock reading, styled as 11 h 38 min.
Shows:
10 h 53 min
